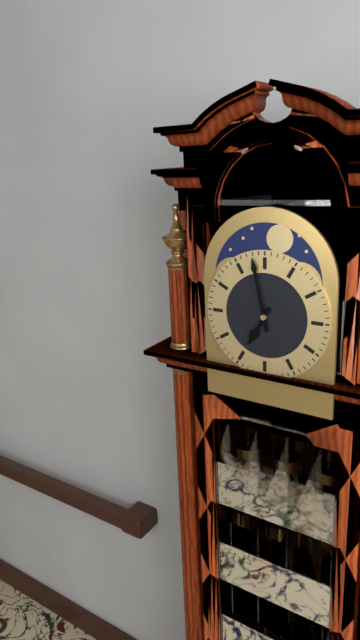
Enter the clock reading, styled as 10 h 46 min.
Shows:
6 h 58 min
